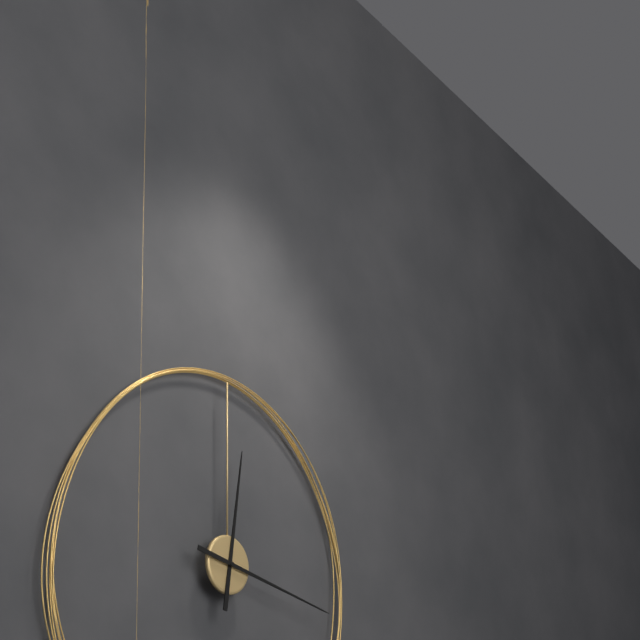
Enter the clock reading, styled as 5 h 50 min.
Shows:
12 h 17 min
